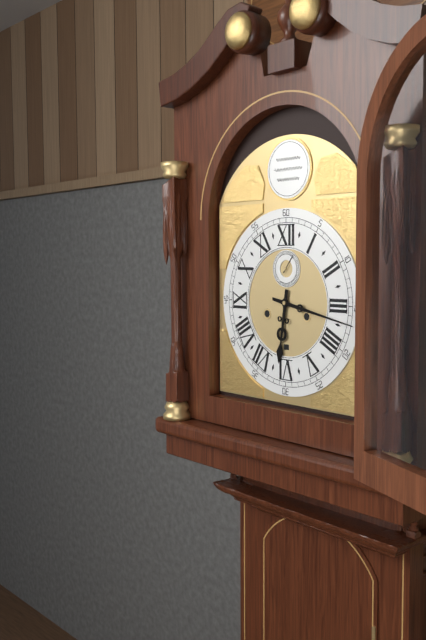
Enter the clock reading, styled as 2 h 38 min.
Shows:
6 h 17 min
